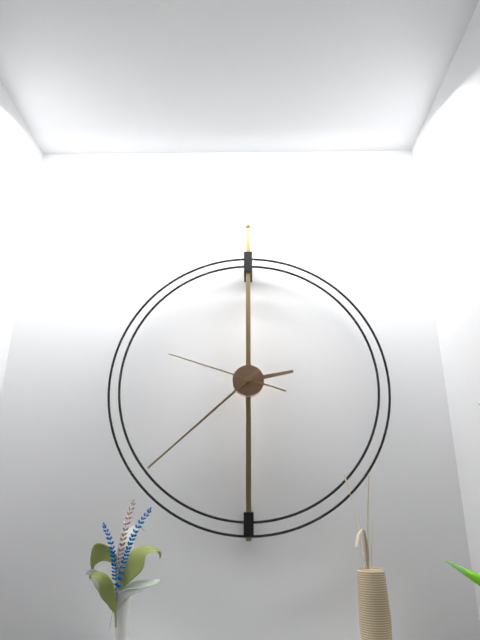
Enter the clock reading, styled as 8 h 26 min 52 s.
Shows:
2 h 38 min 48 s
